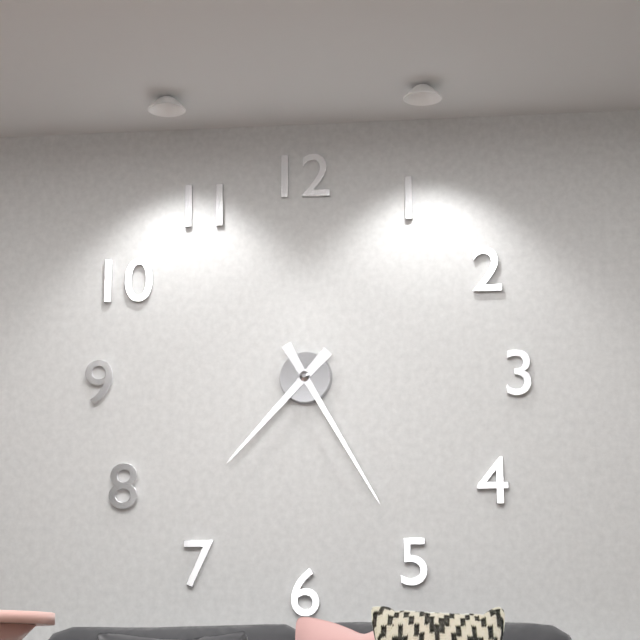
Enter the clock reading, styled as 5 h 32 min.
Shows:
7 h 25 min
